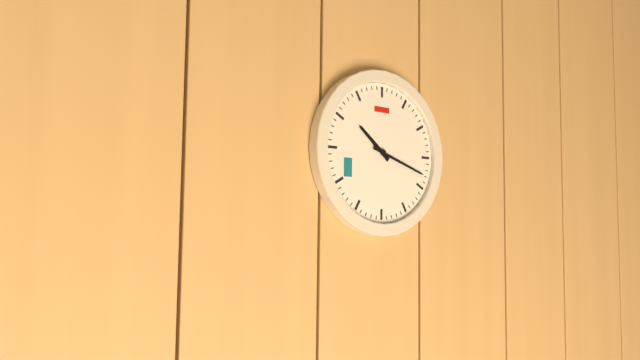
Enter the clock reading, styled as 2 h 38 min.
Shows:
10 h 18 min
